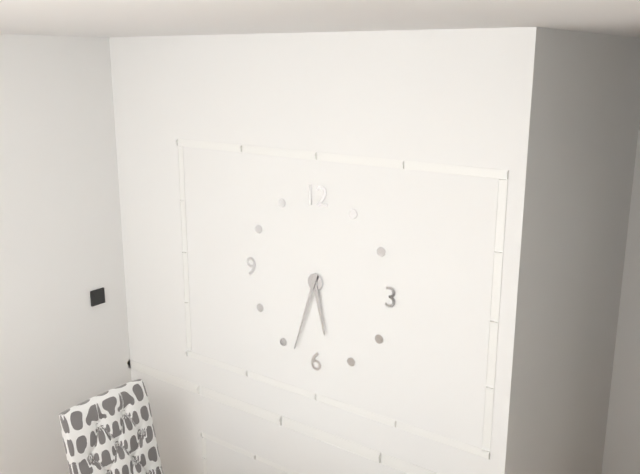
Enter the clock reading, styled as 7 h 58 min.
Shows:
5 h 33 min
